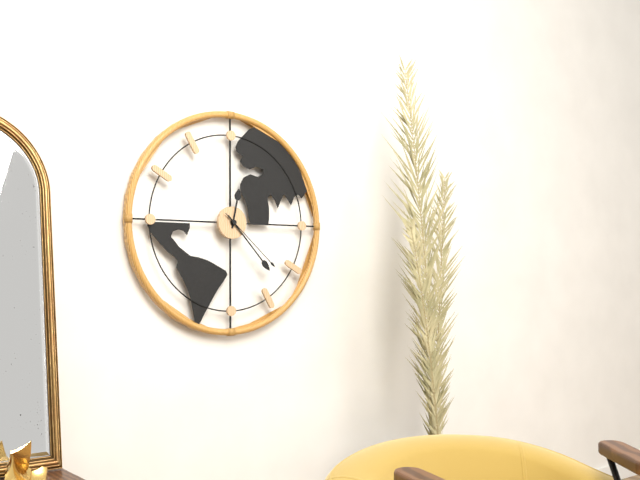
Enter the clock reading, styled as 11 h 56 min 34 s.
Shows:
12 h 23 min 22 s
